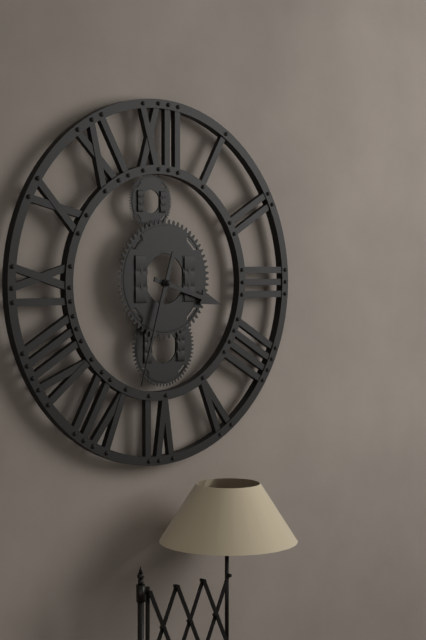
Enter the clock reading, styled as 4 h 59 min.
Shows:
3 h 33 min
